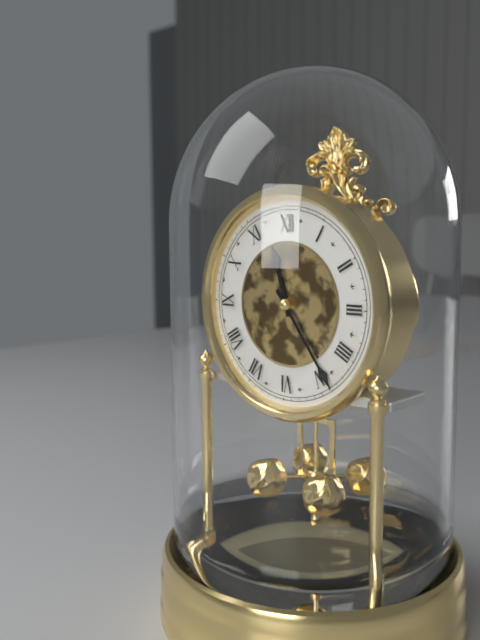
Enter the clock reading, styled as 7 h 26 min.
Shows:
11 h 24 min
